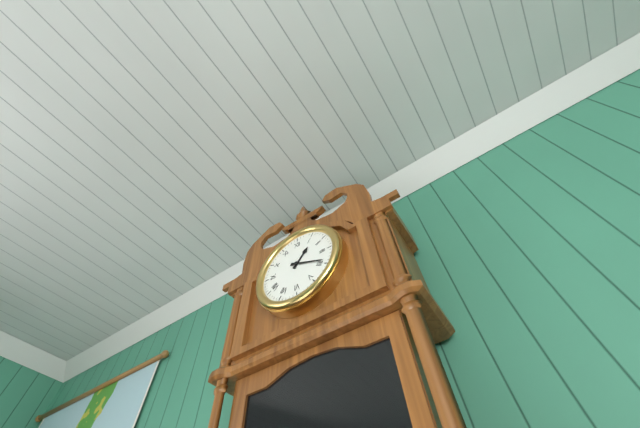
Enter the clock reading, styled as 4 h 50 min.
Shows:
1 h 19 min
